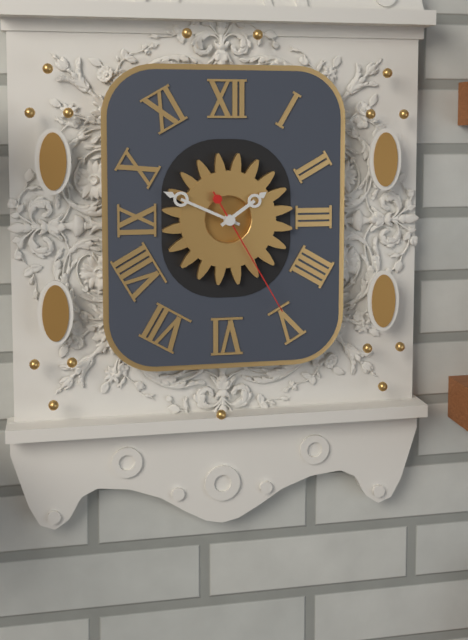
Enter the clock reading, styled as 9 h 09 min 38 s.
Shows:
1 h 49 min 25 s
